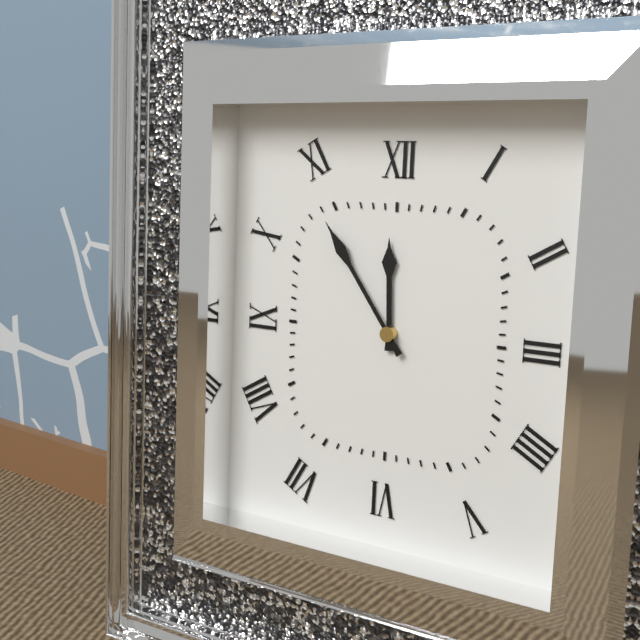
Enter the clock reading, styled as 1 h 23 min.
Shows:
11 h 54 min
